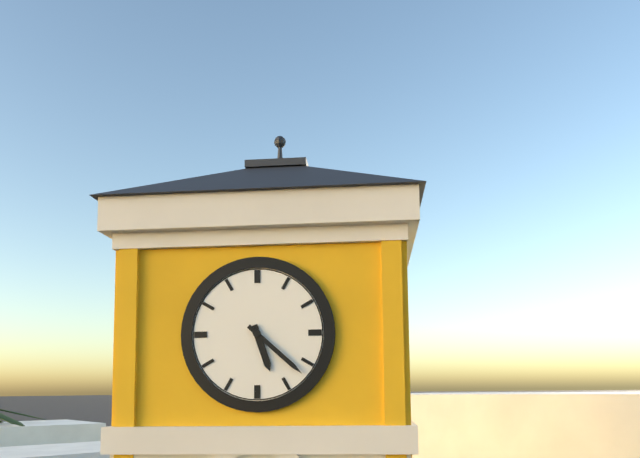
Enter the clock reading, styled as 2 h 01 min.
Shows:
5 h 22 min
